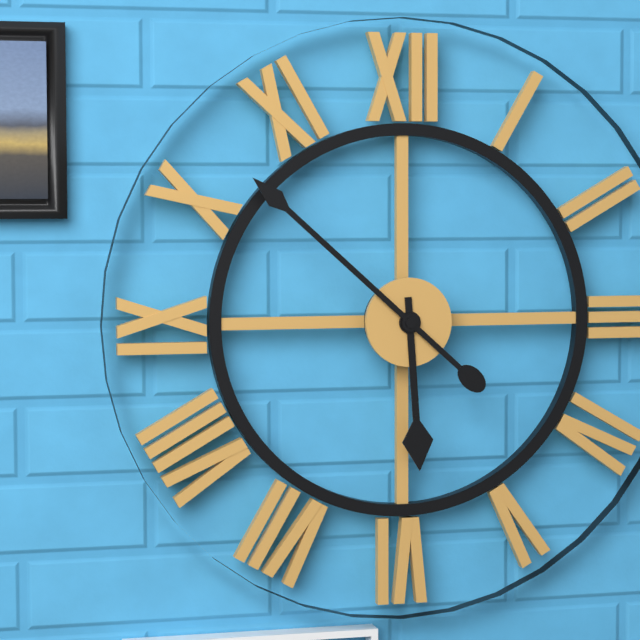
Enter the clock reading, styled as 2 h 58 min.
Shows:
5 h 52 min
